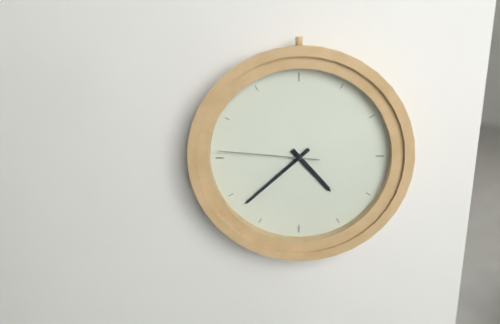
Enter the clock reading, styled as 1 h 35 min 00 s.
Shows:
4 h 38 min 46 s
